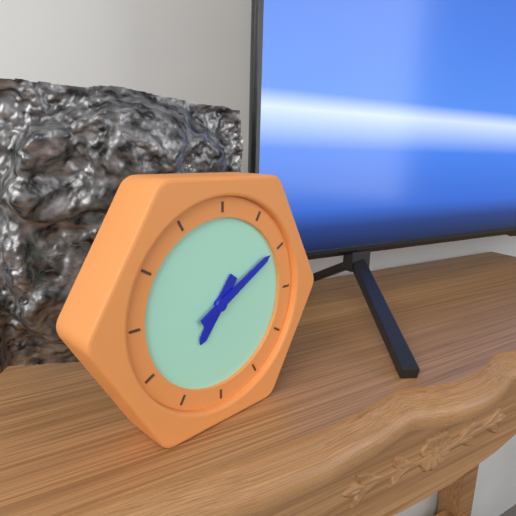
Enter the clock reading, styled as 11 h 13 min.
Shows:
7 h 10 min
